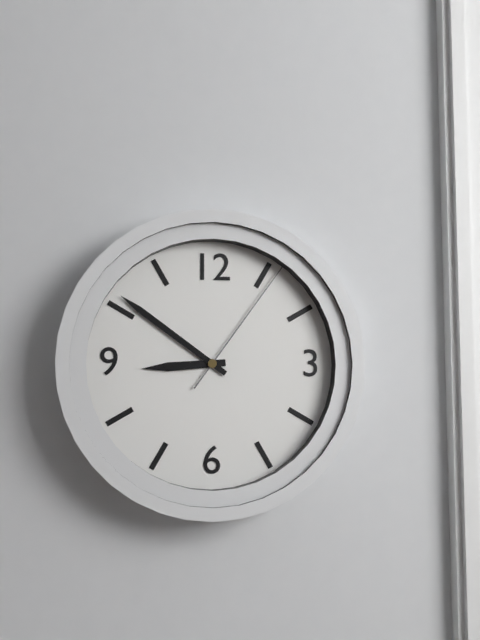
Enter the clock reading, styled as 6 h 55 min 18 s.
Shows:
8 h 51 min 06 s
